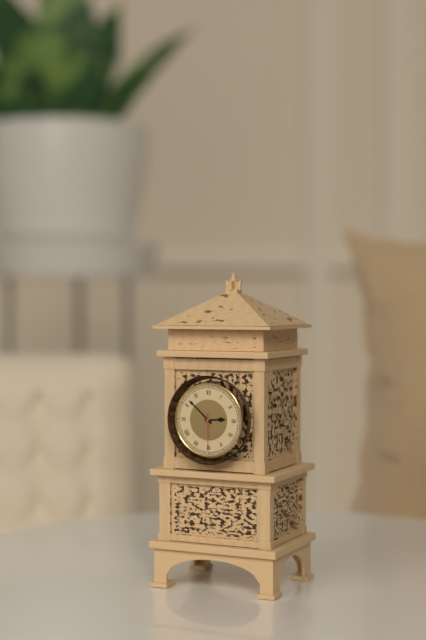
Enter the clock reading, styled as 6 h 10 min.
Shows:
2 h 52 min
